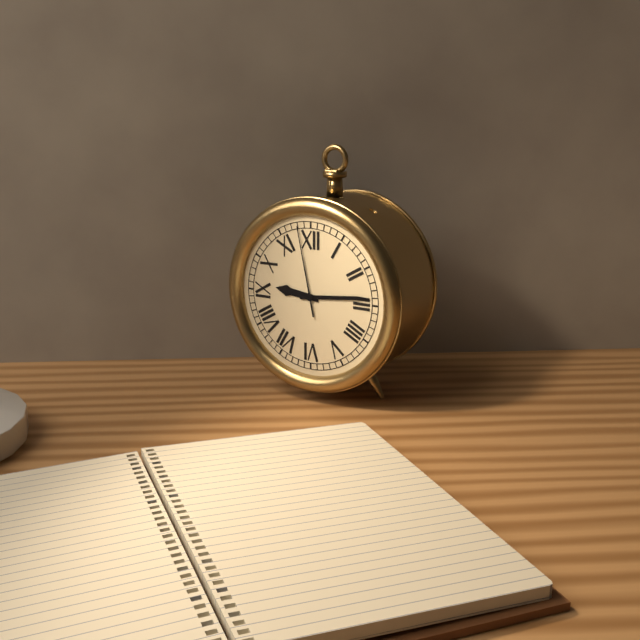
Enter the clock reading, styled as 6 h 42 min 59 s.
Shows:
9 h 14 min 58 s
